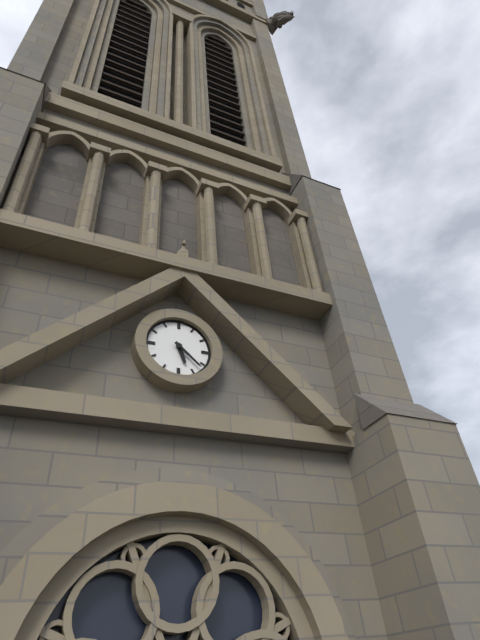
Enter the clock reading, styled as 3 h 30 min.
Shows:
5 h 22 min
